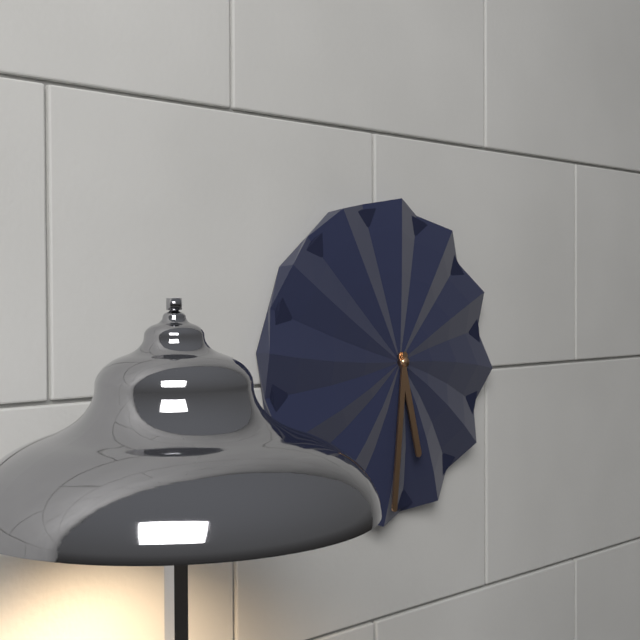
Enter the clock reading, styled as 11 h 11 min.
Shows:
5 h 31 min
